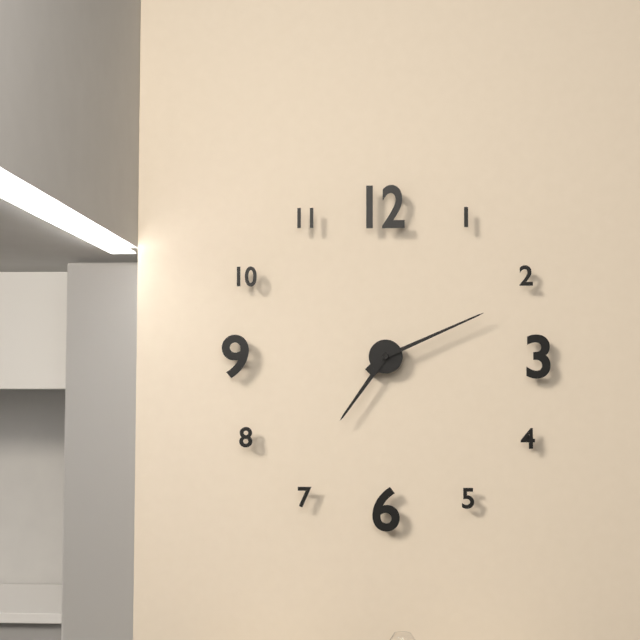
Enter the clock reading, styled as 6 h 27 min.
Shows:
7 h 11 min
